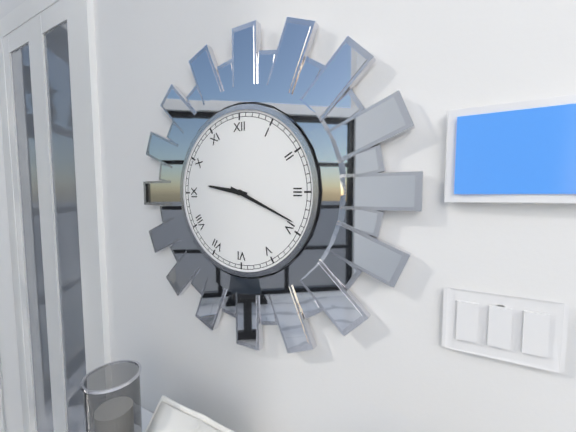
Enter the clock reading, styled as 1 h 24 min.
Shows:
9 h 19 min
